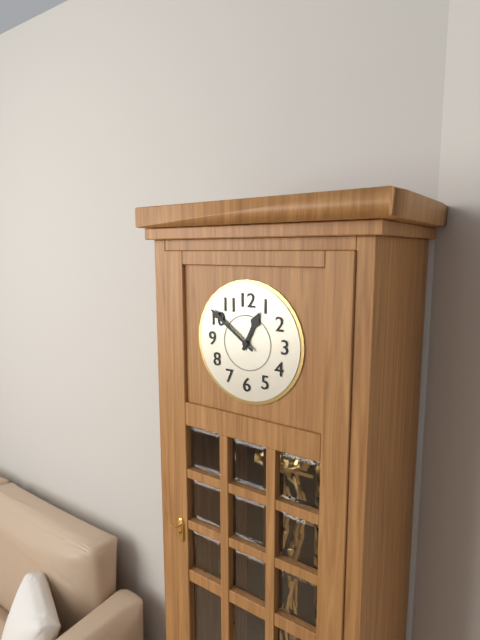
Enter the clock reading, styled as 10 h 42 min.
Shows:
12 h 51 min
